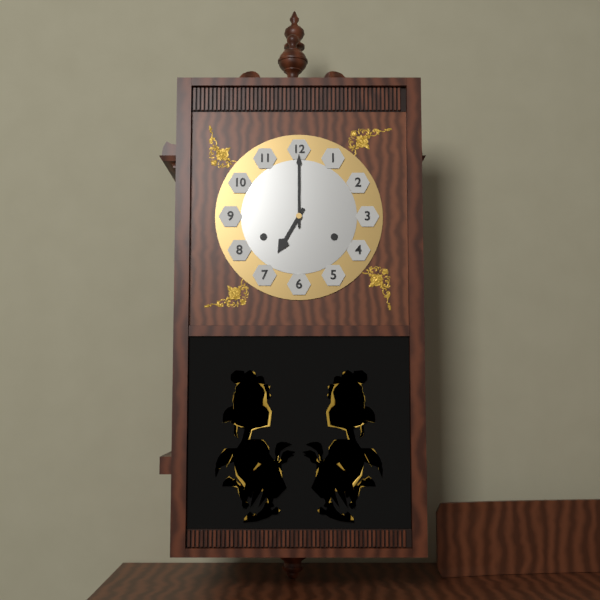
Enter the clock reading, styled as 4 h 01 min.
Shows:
7 h 00 min
